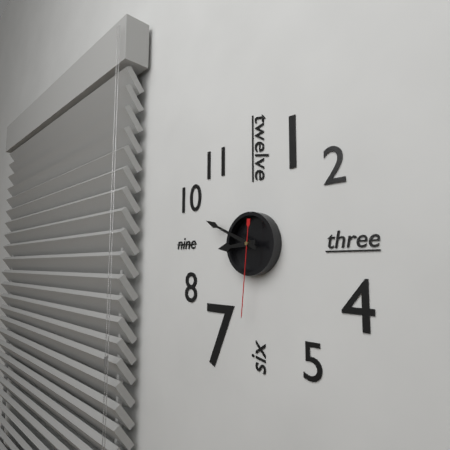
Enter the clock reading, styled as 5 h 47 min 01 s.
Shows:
8 h 49 min 31 s
